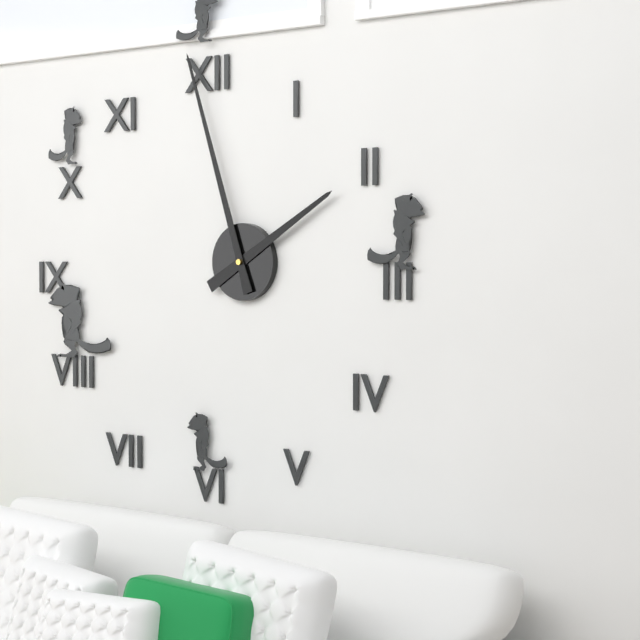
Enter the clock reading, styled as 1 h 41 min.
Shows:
1 h 57 min
